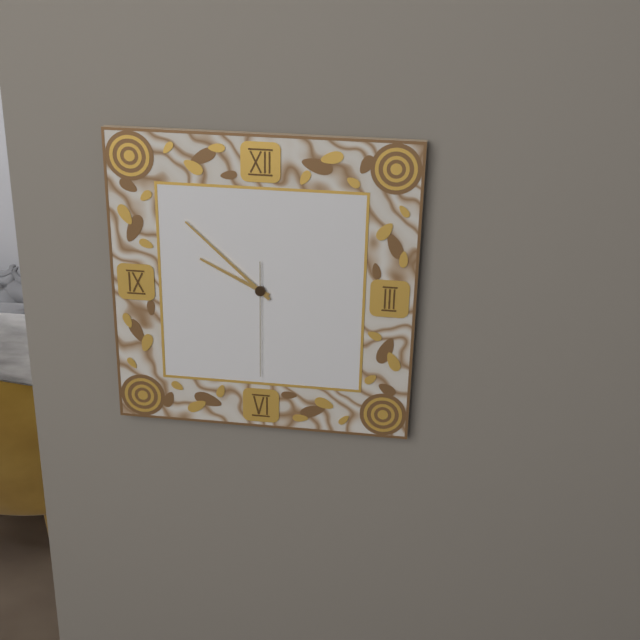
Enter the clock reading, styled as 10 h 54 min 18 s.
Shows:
9 h 52 min 30 s
